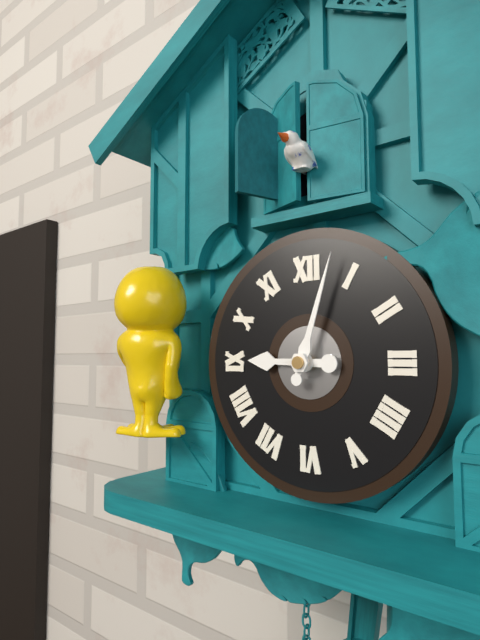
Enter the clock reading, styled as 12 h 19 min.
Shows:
9 h 03 min
